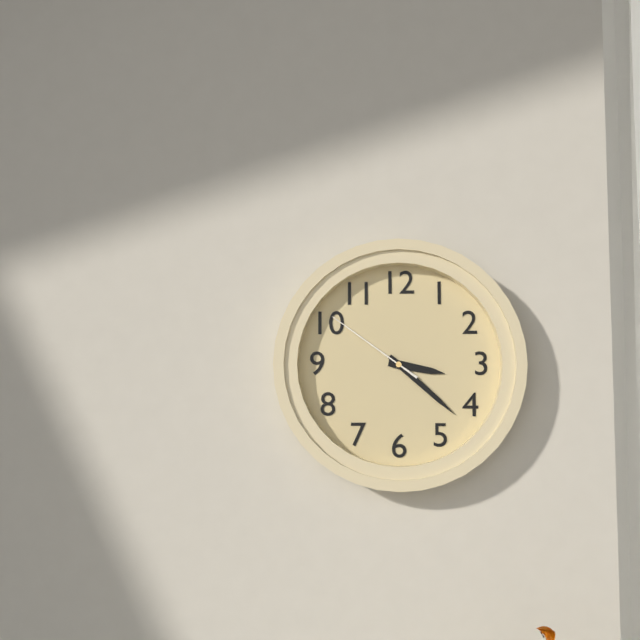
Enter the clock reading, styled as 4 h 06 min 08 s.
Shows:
3 h 22 min 51 s
